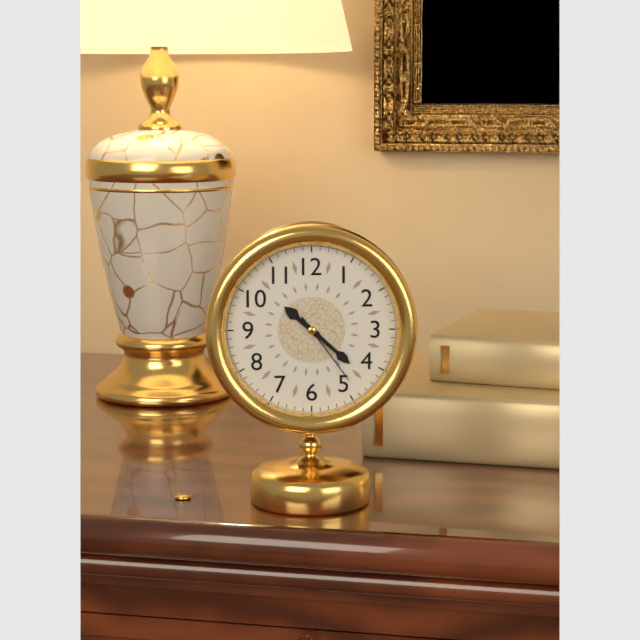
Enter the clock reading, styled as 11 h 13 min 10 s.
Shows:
10 h 22 min 24 s
